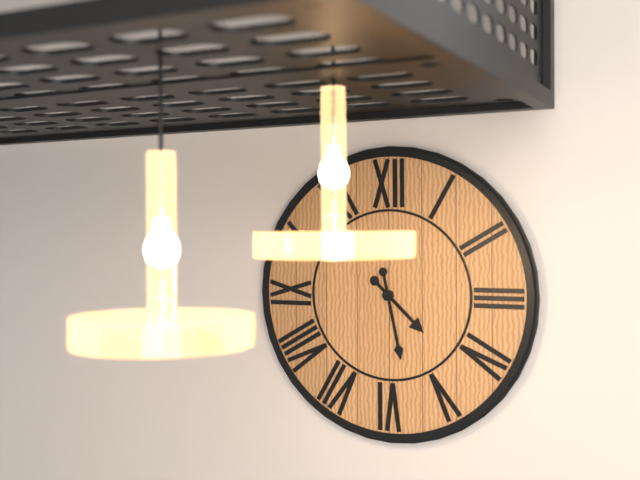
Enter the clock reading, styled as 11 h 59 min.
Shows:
4 h 28 min
